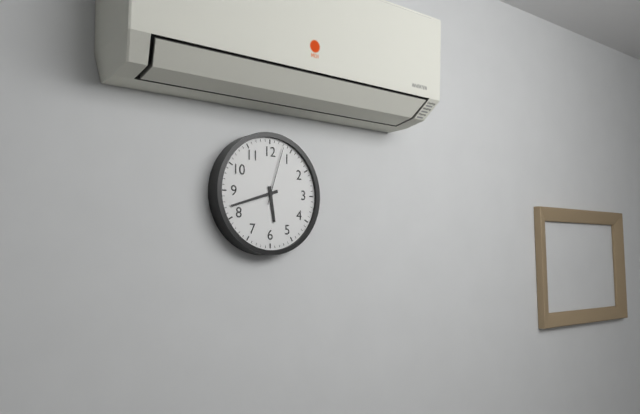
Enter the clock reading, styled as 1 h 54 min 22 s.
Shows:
5 h 42 min 03 s
